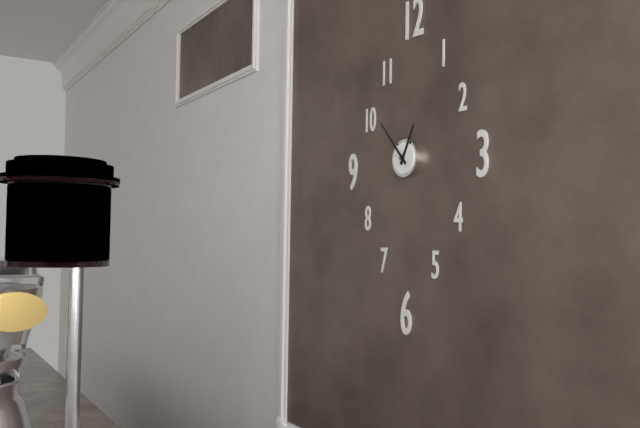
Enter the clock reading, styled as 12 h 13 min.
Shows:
12 h 53 min
